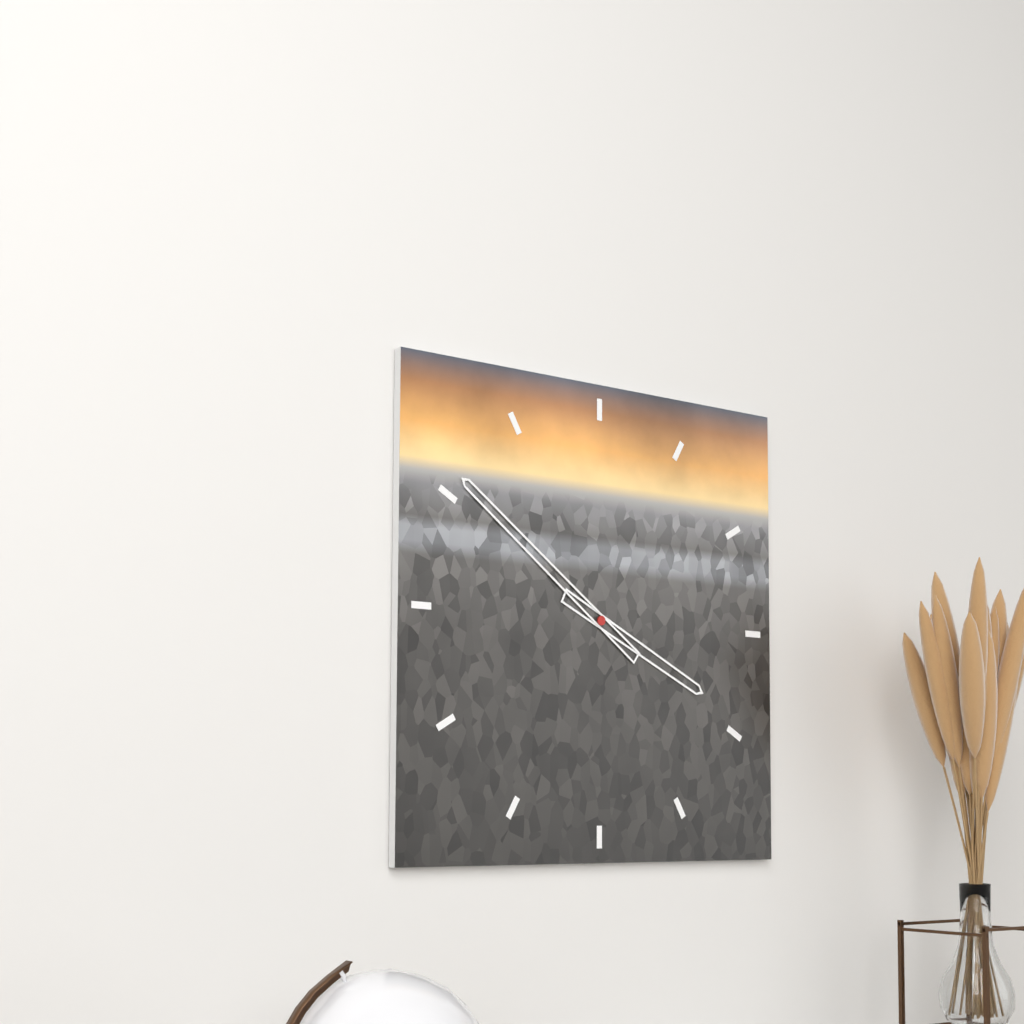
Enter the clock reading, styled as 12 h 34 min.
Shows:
3 h 51 min
